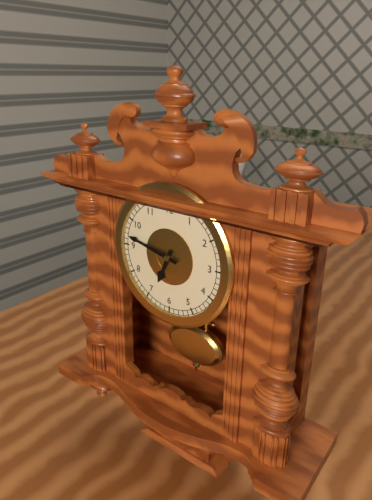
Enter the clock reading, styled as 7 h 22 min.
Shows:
6 h 47 min
